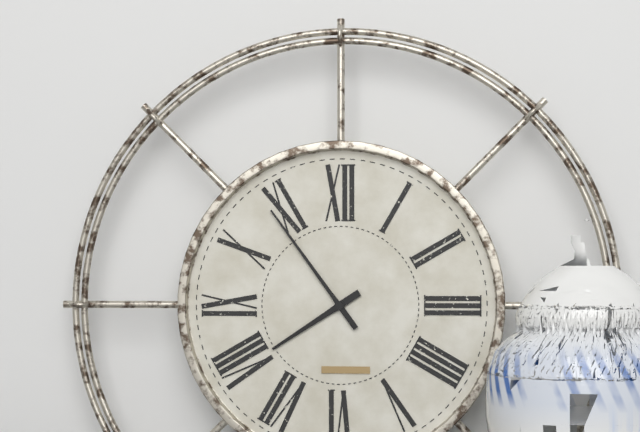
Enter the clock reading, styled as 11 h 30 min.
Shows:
7 h 54 min
